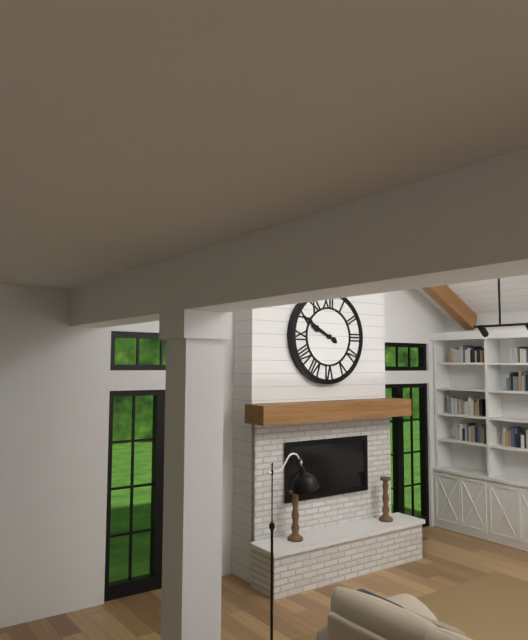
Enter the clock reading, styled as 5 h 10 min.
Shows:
9 h 50 min
